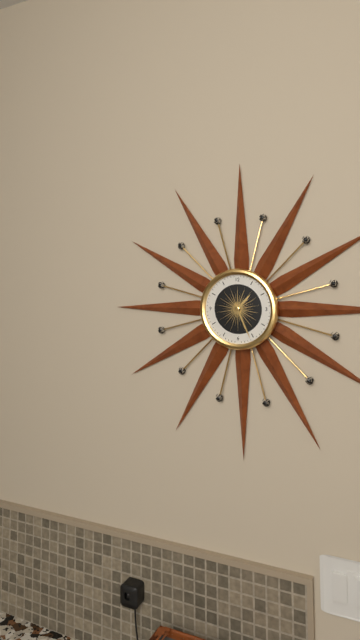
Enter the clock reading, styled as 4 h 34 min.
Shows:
1 h 26 min
